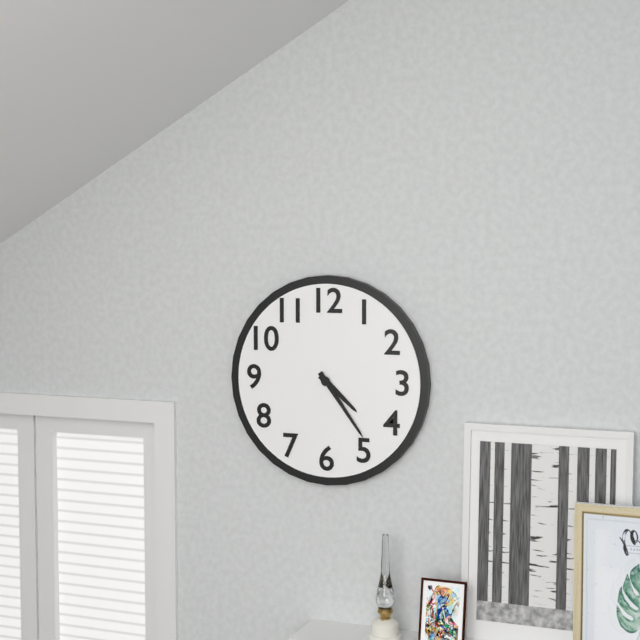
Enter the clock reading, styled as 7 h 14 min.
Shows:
4 h 24 min
